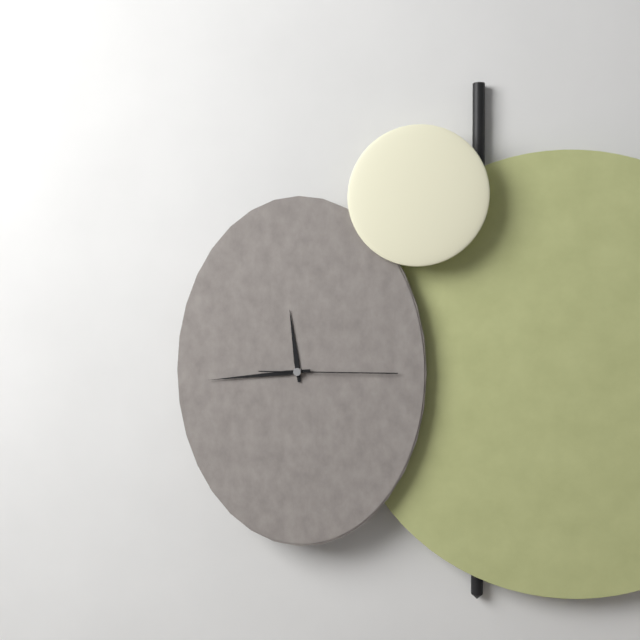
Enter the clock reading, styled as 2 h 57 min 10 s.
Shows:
11 h 44 min 15 s
